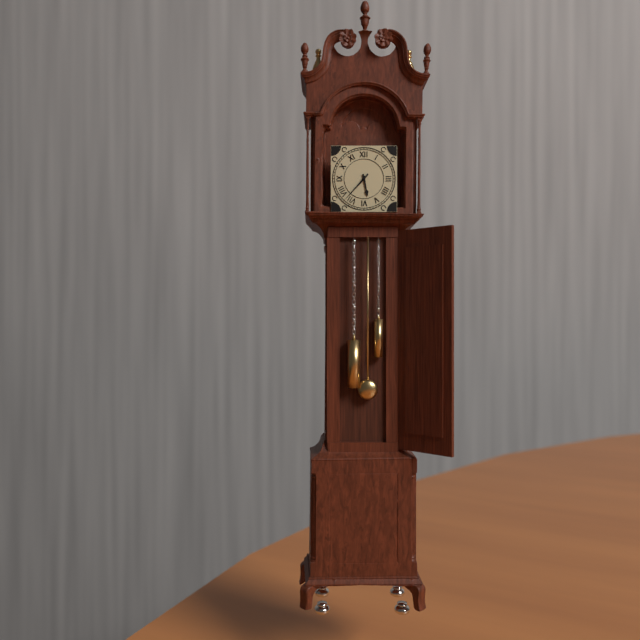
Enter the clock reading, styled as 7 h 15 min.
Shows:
5 h 37 min
